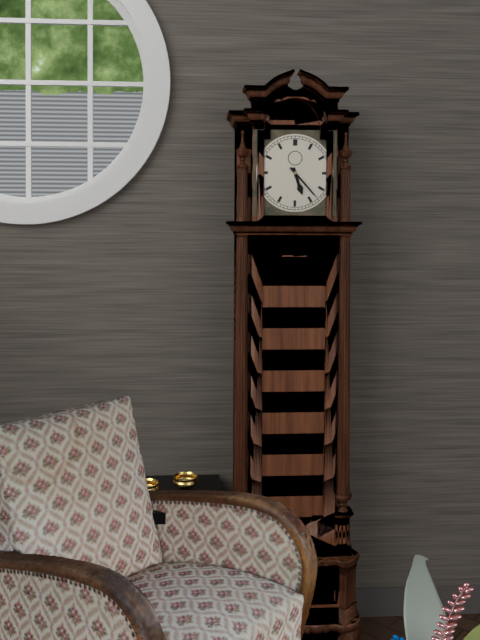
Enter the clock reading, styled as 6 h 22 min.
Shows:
5 h 23 min
